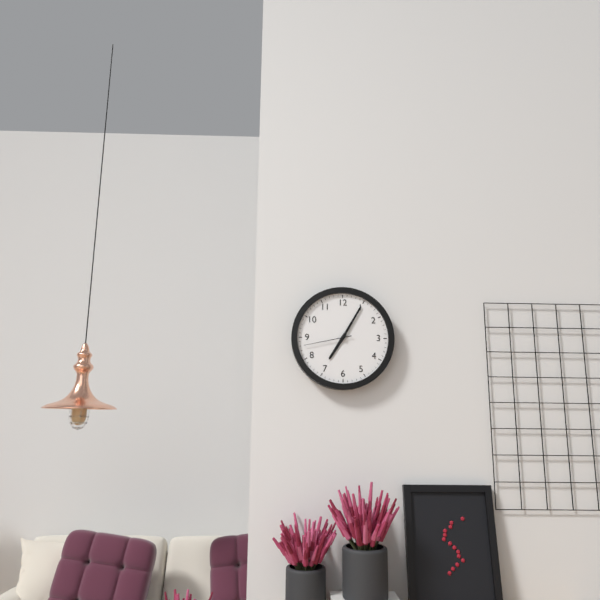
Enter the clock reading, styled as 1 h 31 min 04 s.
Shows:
7 h 05 min 43 s
